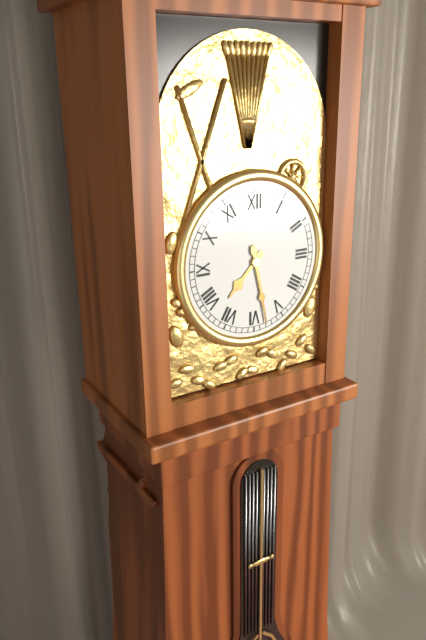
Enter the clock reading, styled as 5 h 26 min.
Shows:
7 h 28 min
